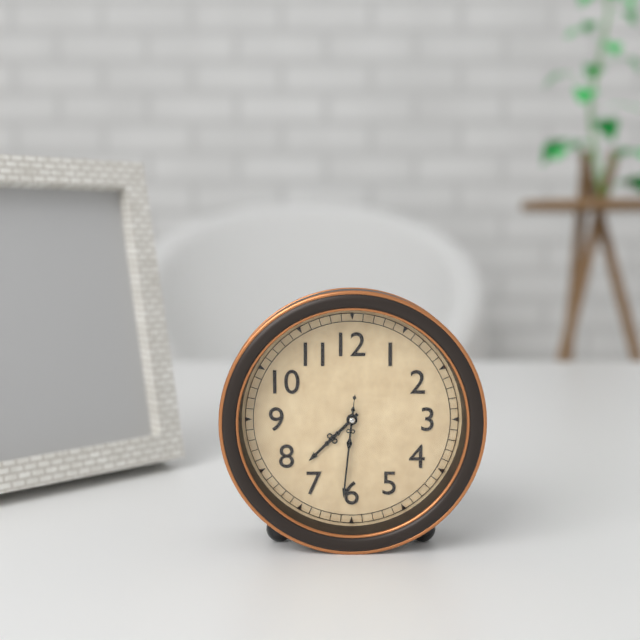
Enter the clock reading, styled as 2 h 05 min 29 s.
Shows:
7 h 31 min 31 s
